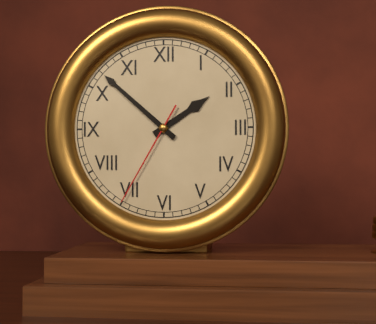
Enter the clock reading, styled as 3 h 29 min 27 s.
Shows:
1 h 52 min 35 s
